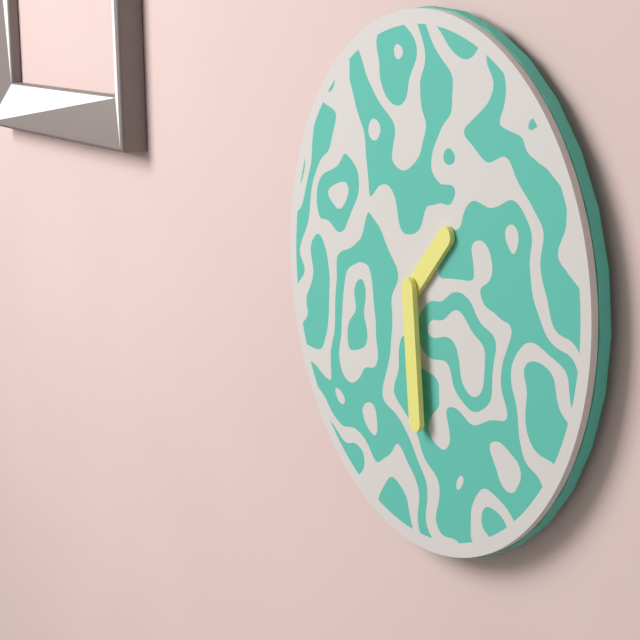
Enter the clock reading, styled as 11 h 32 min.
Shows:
1 h 29 min
